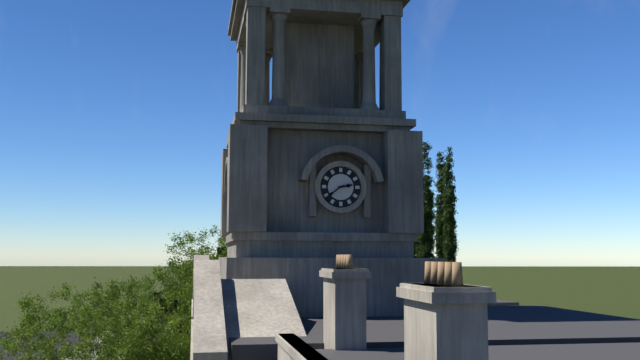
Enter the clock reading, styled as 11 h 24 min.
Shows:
2 h 39 min
